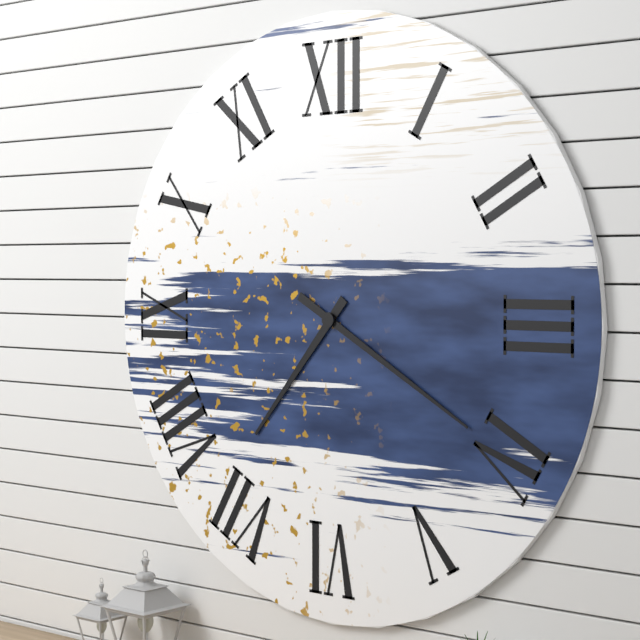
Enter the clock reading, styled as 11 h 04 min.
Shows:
7 h 20 min
